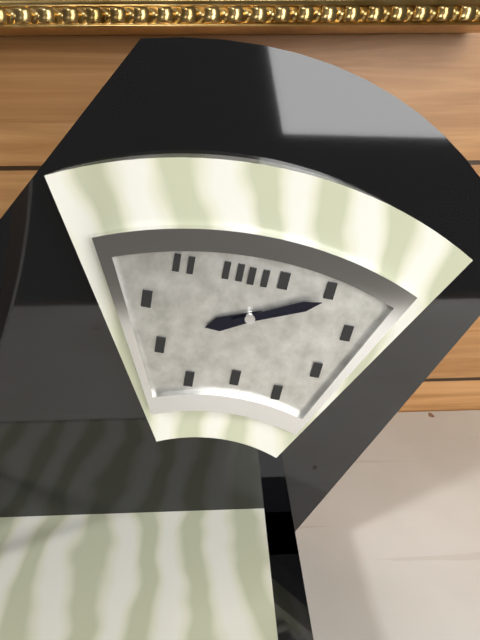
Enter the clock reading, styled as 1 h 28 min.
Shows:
8 h 11 min
